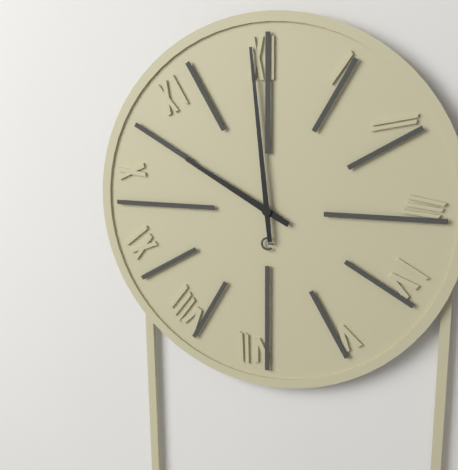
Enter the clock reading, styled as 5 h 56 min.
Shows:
9 h 59 min
